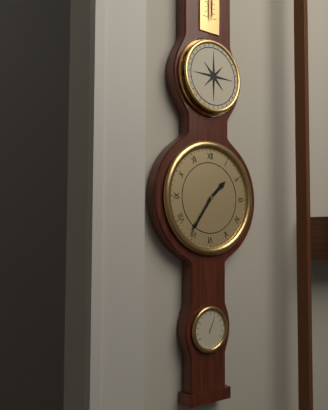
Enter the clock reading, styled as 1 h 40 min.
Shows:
1 h 36 min
